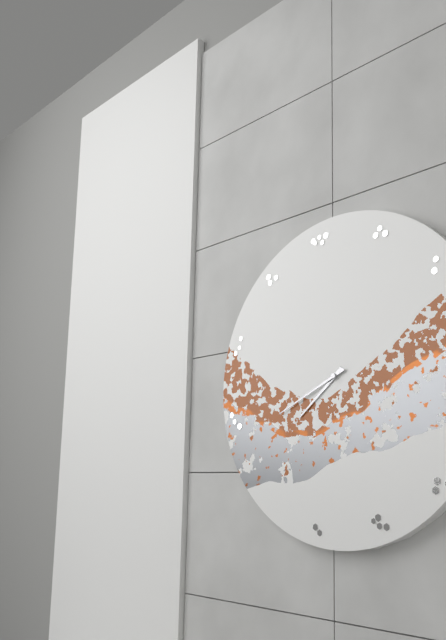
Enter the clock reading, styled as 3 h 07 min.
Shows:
7 h 41 min
